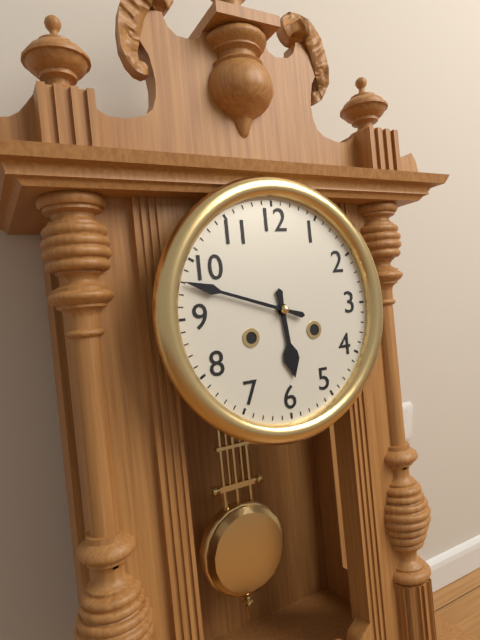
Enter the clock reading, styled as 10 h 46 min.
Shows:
5 h 48 min
